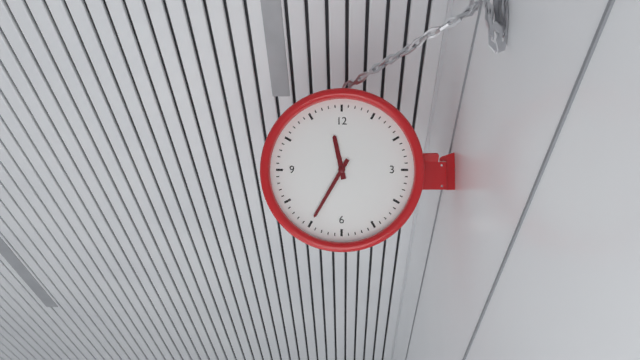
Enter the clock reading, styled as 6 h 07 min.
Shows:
11 h 35 min
